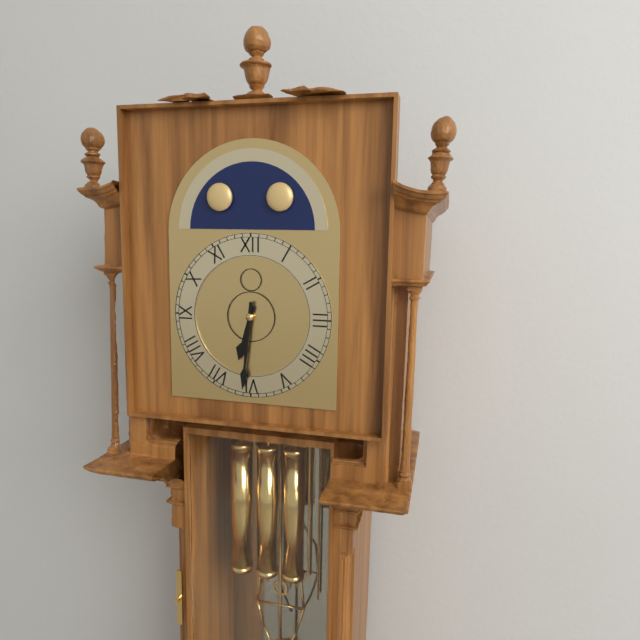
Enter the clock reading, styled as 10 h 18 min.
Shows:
6 h 31 min
